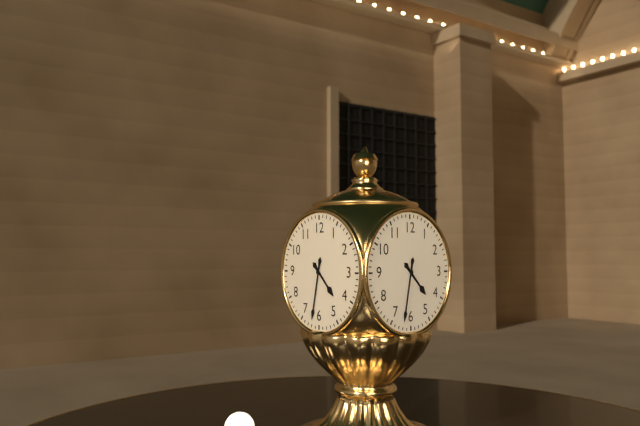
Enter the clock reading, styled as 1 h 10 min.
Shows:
4 h 32 min
